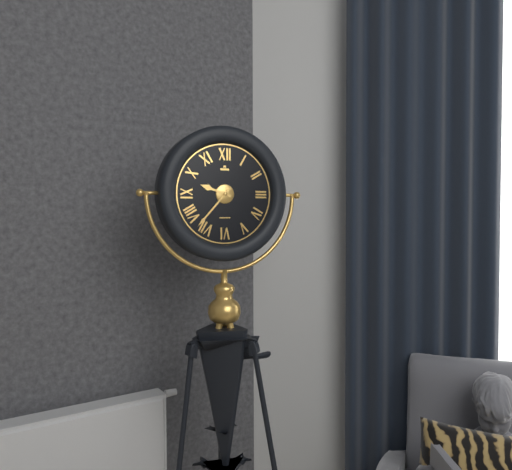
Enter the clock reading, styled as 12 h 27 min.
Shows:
9 h 37 min
